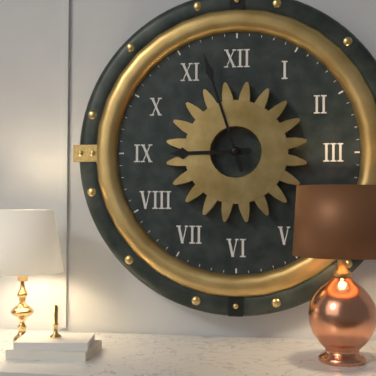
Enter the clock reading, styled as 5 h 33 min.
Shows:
8 h 57 min
